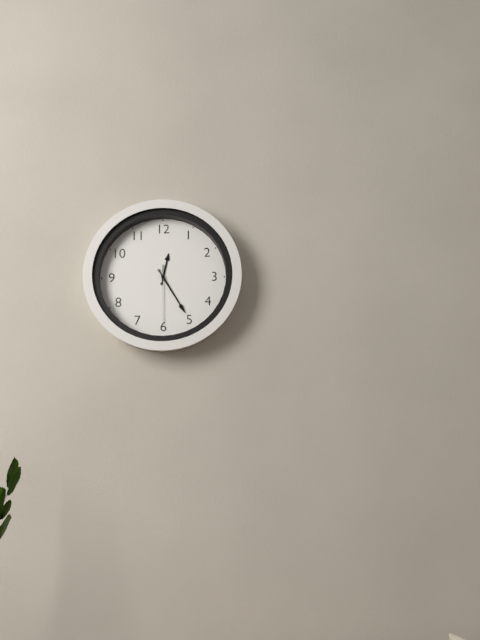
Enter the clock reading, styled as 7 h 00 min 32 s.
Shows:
12 h 25 min 30 s
